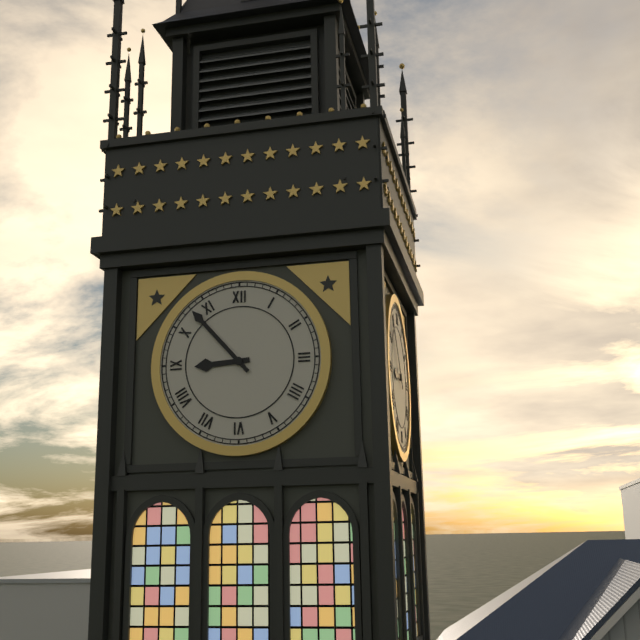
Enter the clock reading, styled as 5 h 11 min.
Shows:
8 h 53 min
